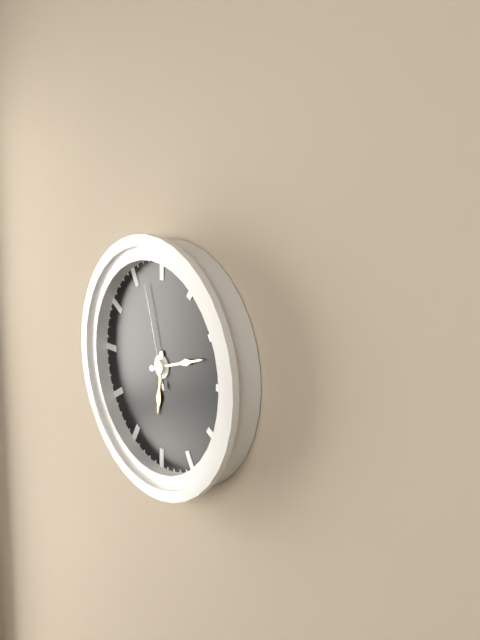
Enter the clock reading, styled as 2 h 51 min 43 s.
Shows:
6 h 12 min 57 s
